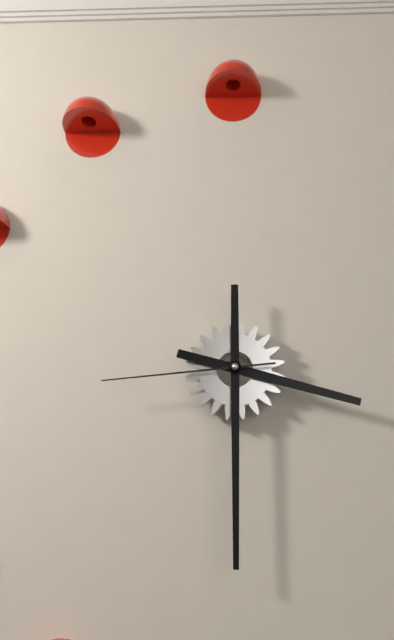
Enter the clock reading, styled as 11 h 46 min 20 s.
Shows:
3 h 30 min 44 s
